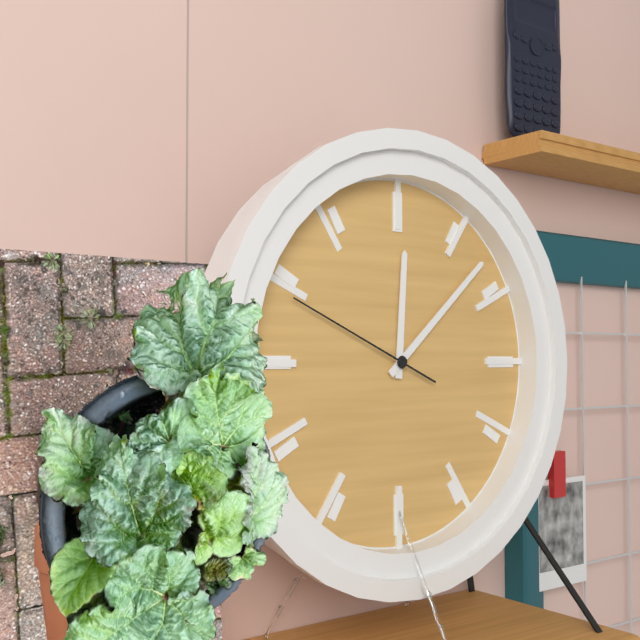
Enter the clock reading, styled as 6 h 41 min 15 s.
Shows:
12 h 08 min 49 s
